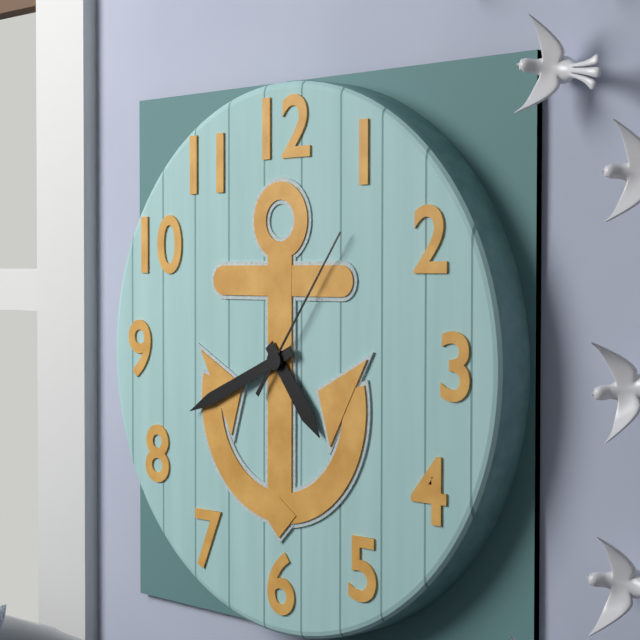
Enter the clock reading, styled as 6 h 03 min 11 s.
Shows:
4 h 41 min 06 s
